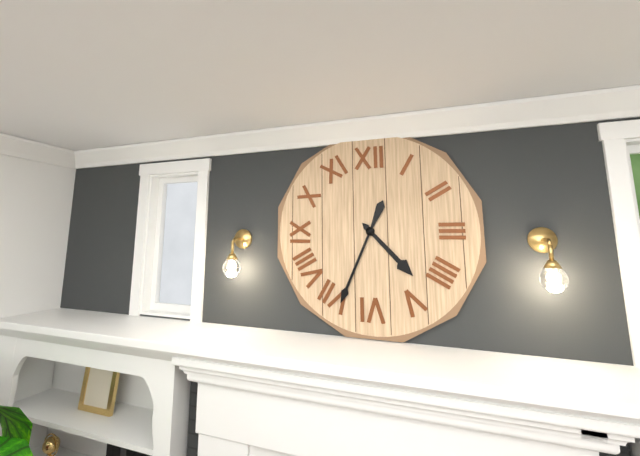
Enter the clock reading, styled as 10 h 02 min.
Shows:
4 h 34 min
